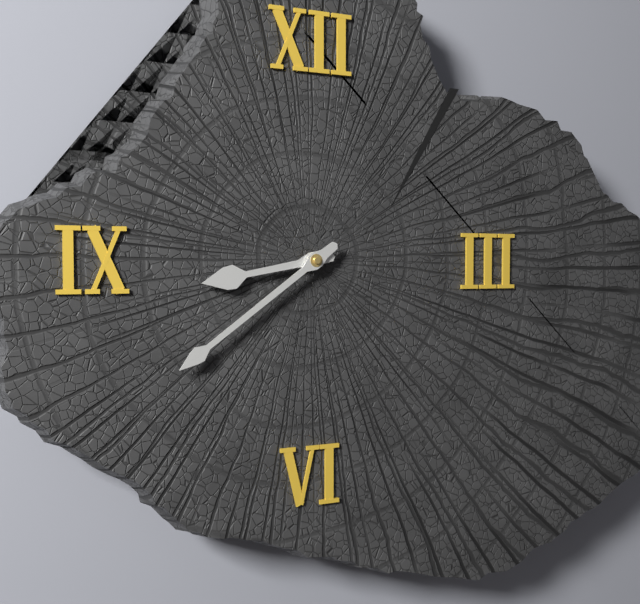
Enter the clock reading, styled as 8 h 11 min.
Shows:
8 h 39 min
